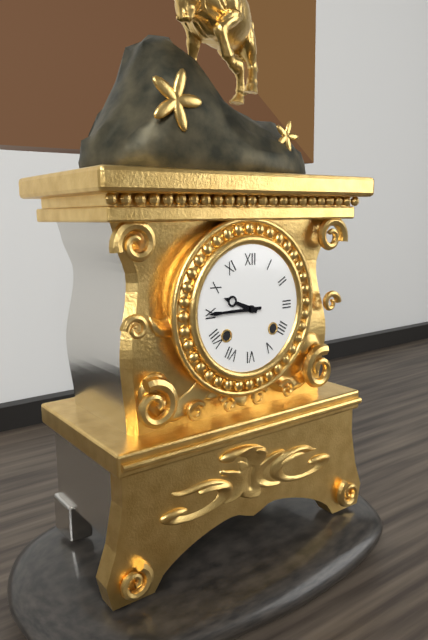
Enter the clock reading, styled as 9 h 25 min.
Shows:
9 h 45 min
